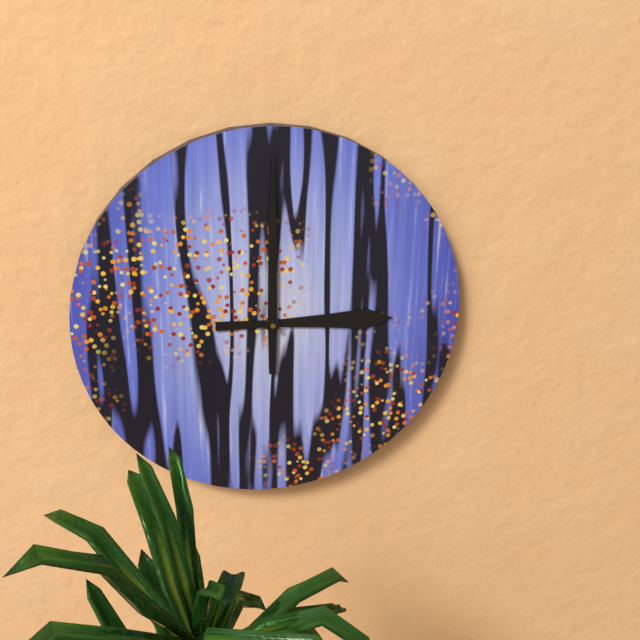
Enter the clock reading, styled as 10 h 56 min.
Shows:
3 h 00 min
